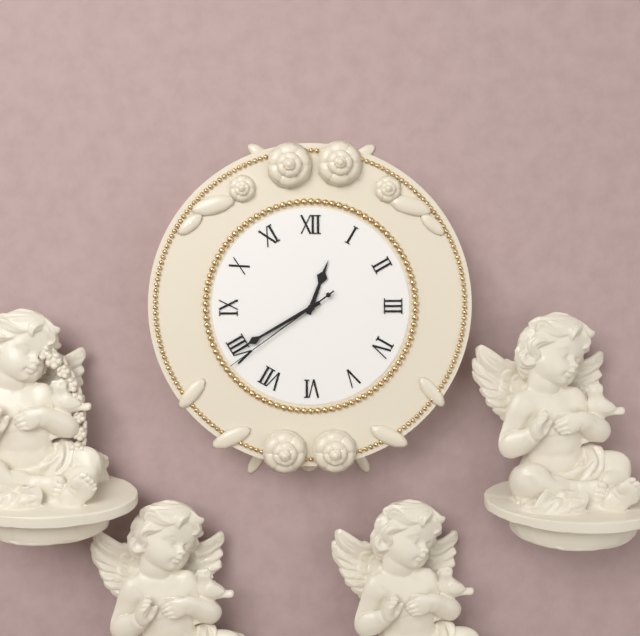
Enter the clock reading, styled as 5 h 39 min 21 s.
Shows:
12 h 40 min 39 s
